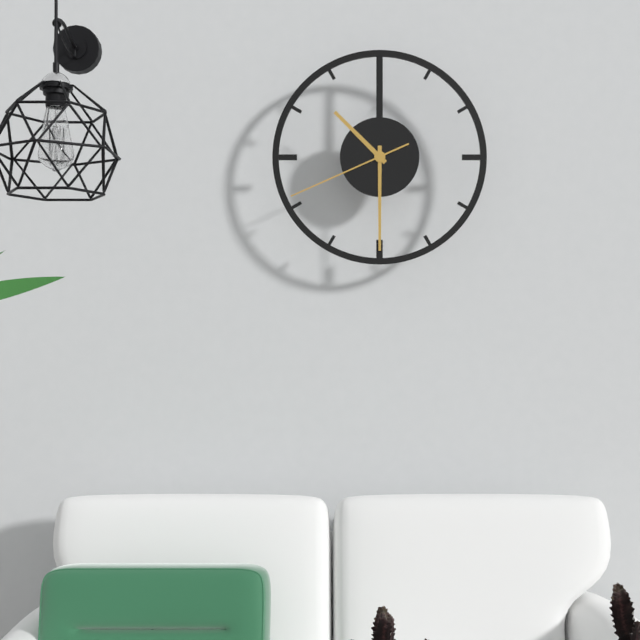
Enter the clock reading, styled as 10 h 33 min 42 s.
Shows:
10 h 30 min 41 s
